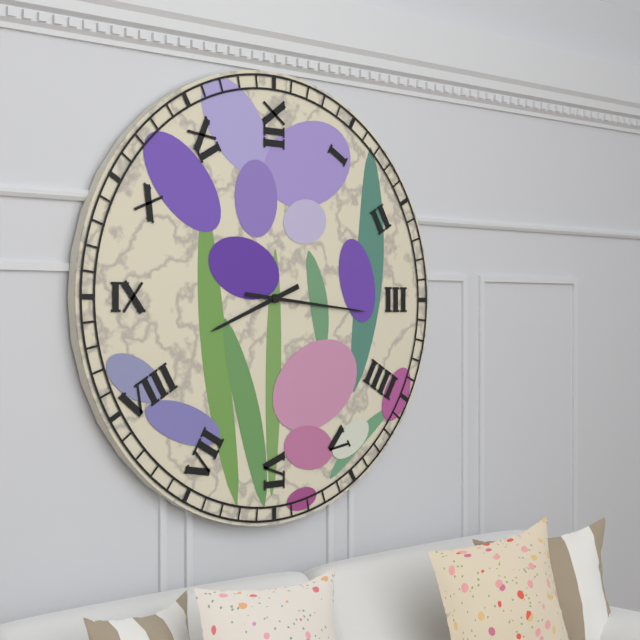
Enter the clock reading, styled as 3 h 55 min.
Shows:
8 h 16 min
